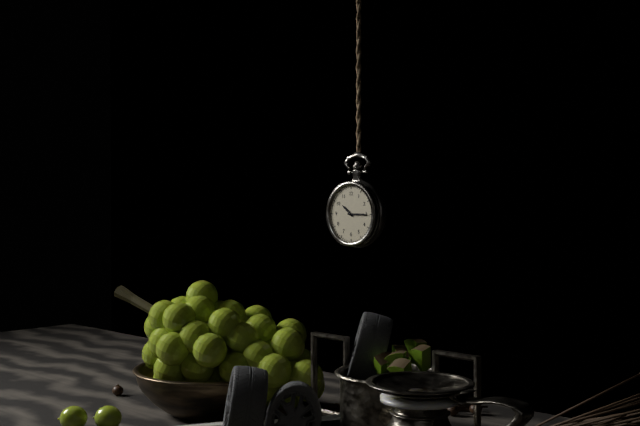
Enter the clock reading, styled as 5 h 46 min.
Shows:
10 h 15 min
